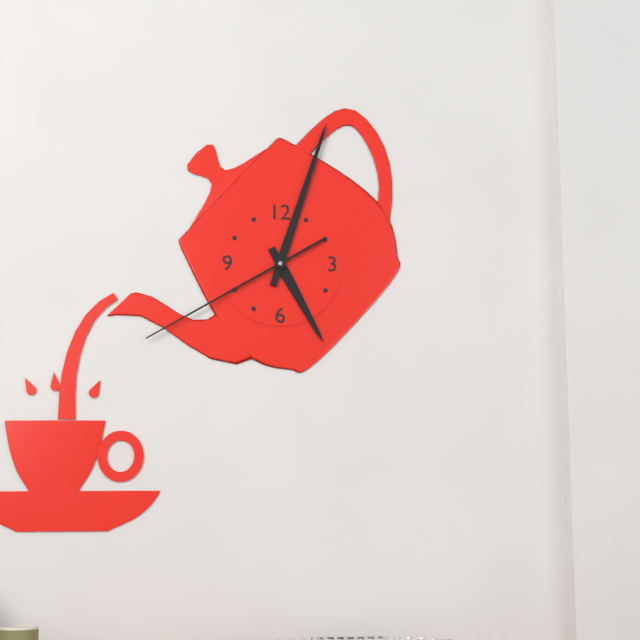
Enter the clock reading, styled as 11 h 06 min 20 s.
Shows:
5 h 03 min 40 s
